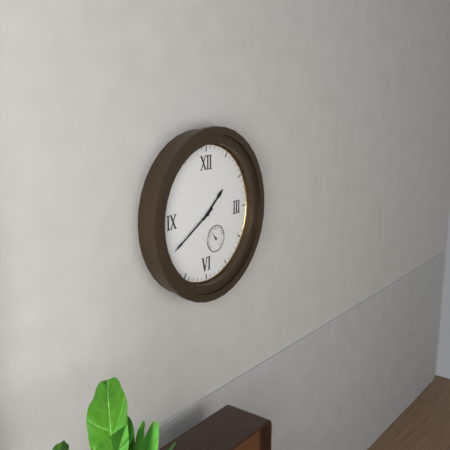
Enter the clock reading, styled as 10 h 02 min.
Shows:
1 h 40 min
